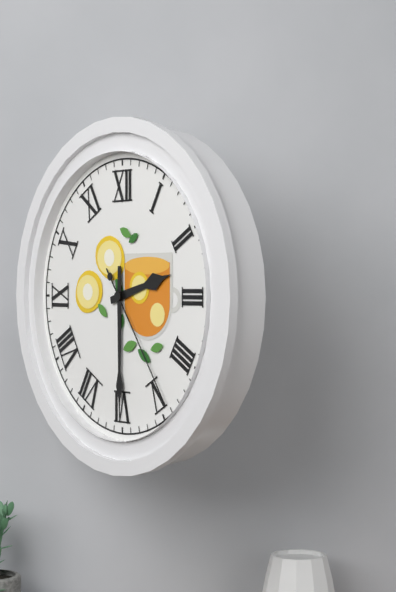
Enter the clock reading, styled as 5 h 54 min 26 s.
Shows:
2 h 30 min 24 s
